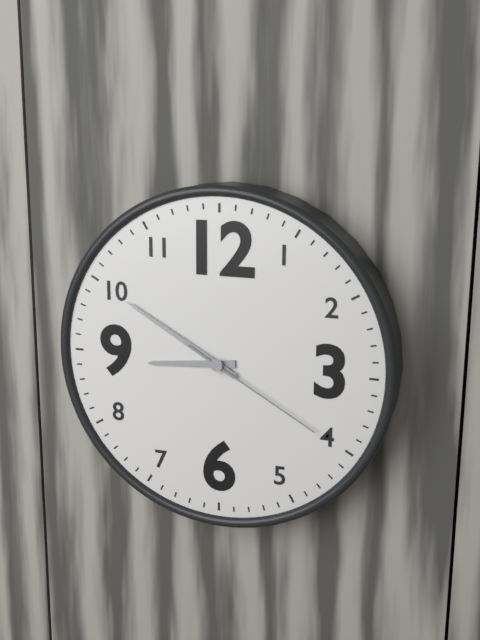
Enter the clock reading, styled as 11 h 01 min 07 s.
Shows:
8 h 50 min 20 s
